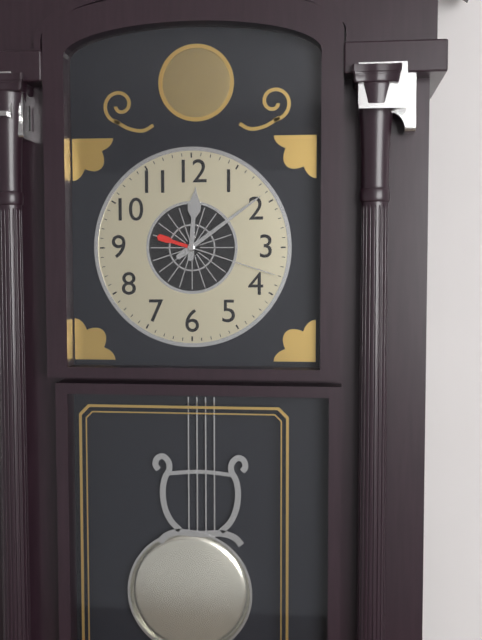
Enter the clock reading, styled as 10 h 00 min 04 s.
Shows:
12 h 09 min 18 s
